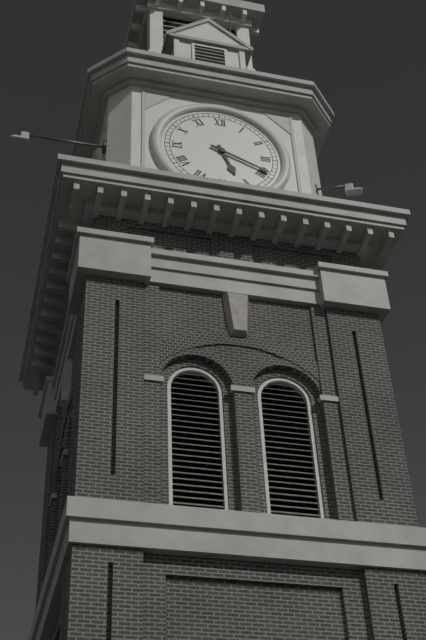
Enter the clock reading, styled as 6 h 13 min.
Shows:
5 h 19 min
